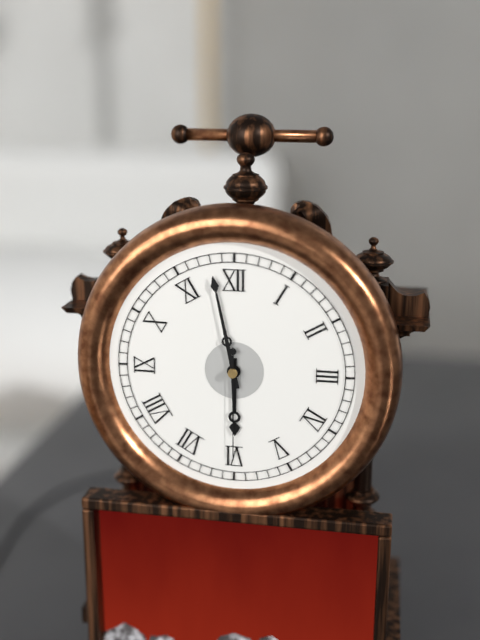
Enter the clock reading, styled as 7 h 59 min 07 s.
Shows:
5 h 58 min 30 s
